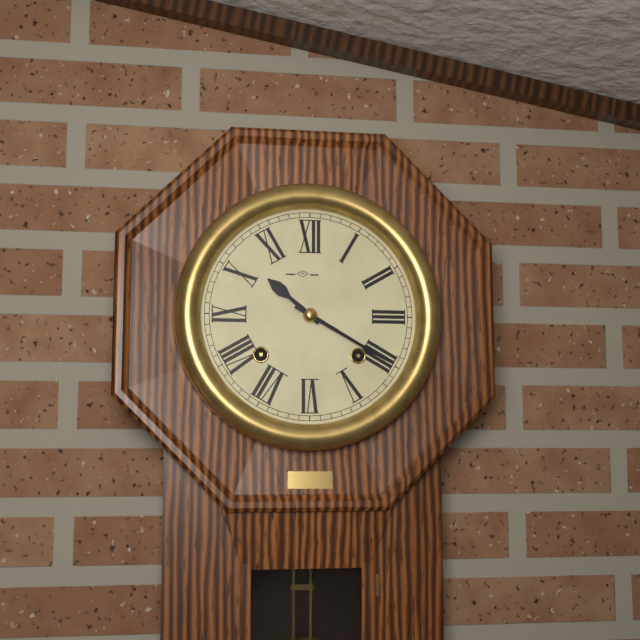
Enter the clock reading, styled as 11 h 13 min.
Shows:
10 h 20 min
